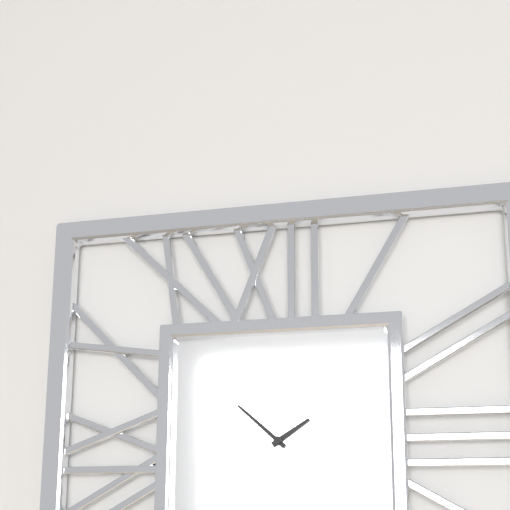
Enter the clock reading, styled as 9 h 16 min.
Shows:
1 h 52 min
